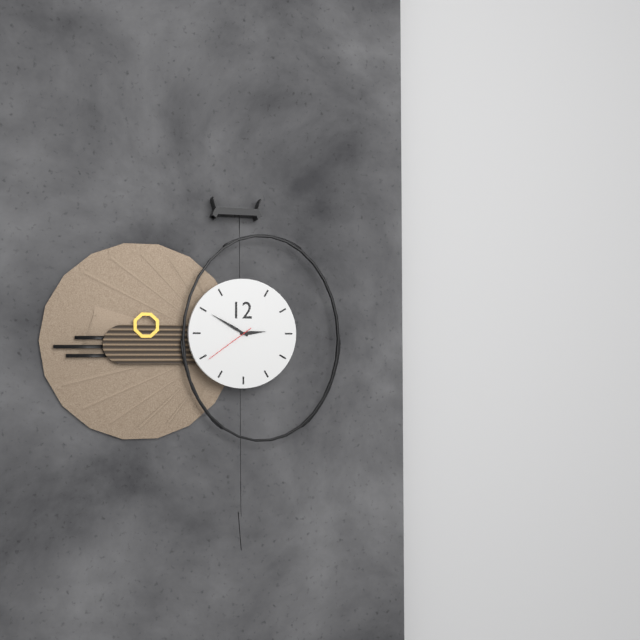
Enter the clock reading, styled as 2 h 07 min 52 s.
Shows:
2 h 50 min 39 s
